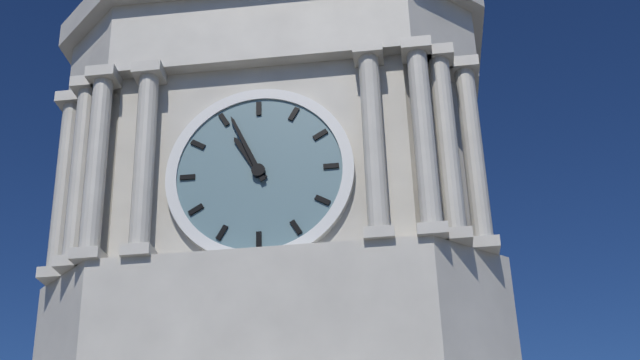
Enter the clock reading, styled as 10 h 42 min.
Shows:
10 h 56 min
